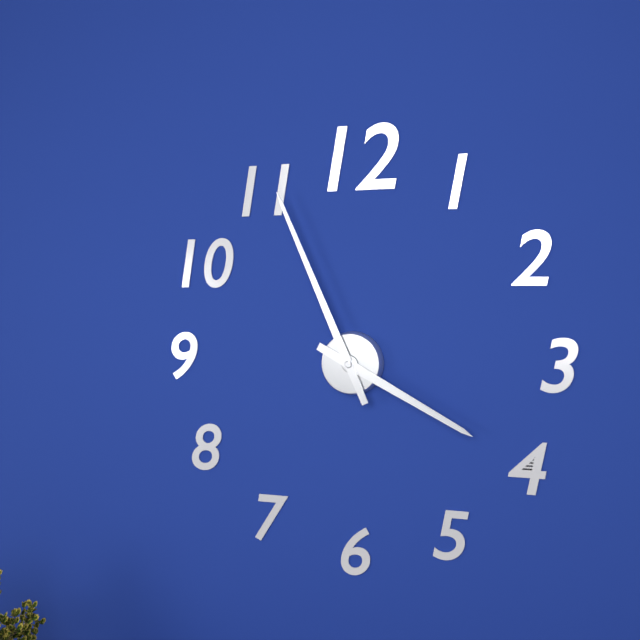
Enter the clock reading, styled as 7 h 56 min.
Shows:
3 h 56 min
